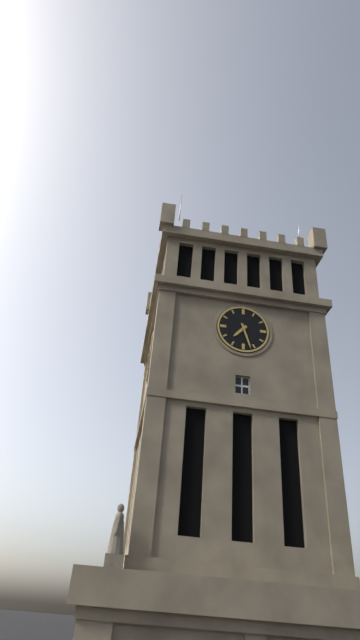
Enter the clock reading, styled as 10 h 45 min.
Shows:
7 h 27 min
